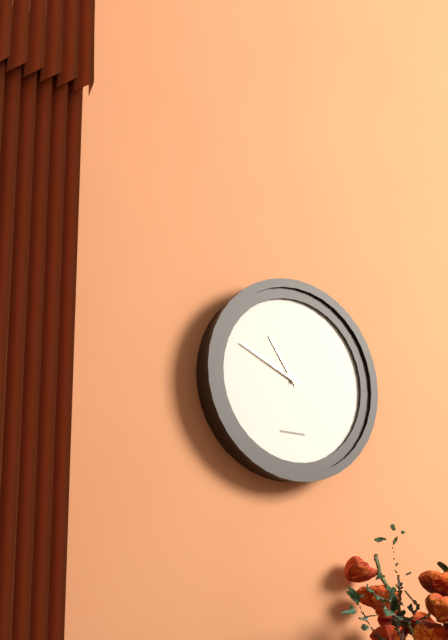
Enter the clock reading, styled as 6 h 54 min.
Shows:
10 h 49 min
